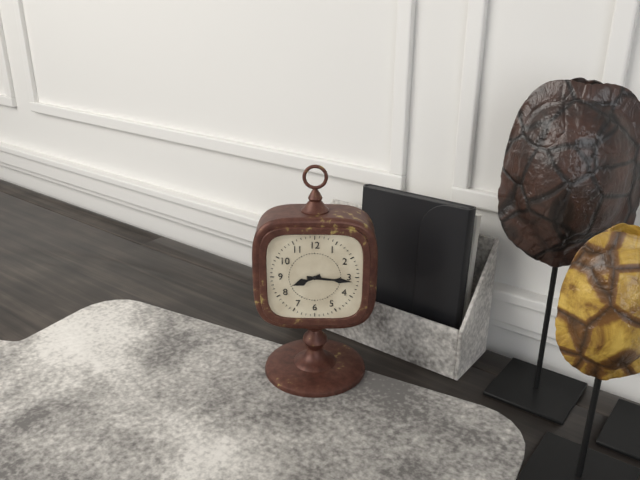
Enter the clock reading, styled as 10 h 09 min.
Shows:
8 h 16 min
